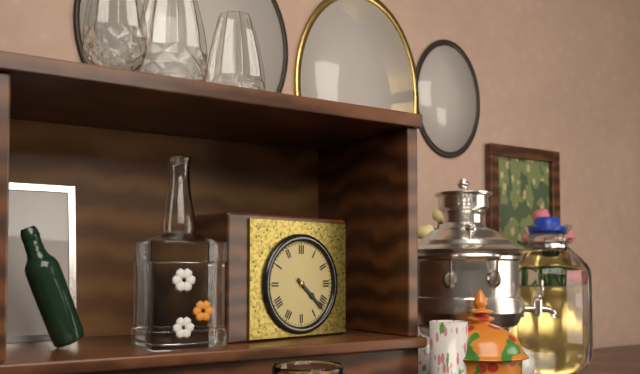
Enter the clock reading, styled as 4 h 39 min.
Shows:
4 h 22 min
